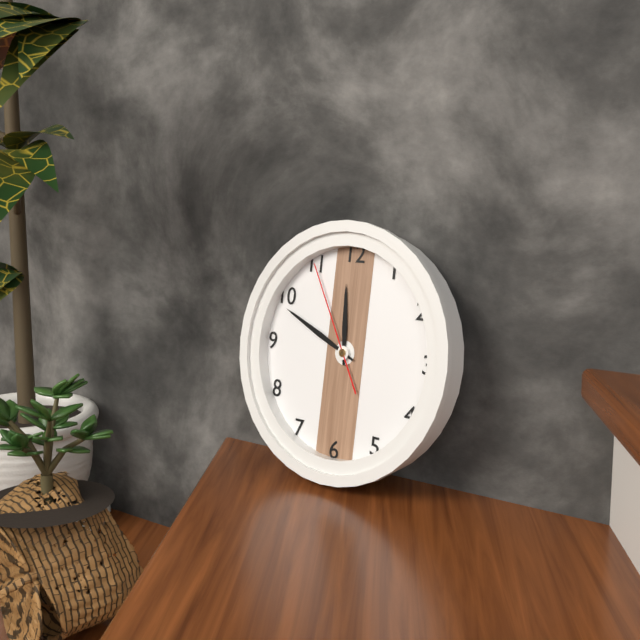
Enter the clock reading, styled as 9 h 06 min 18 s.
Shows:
11 h 49 min 55 s
